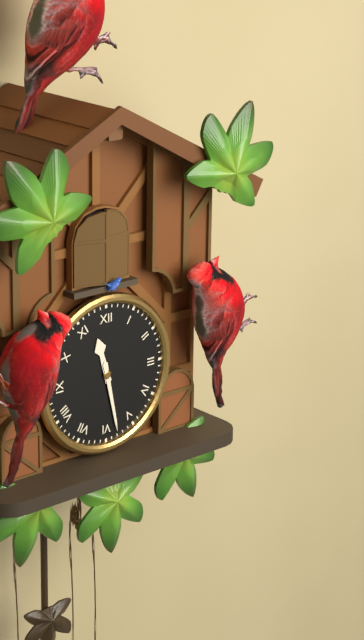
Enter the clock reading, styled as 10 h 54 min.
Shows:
11 h 28 min
